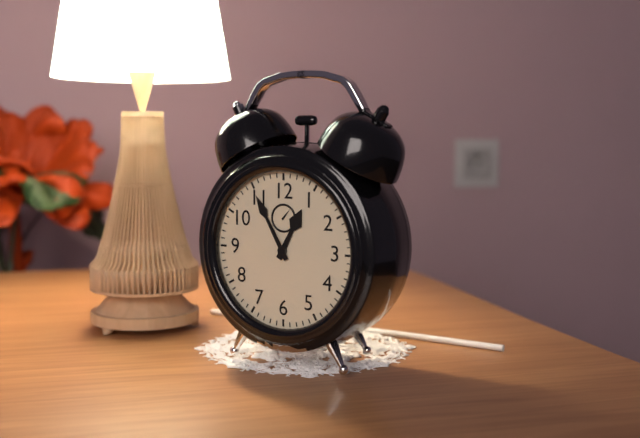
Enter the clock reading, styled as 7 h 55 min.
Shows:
12 h 55 min
